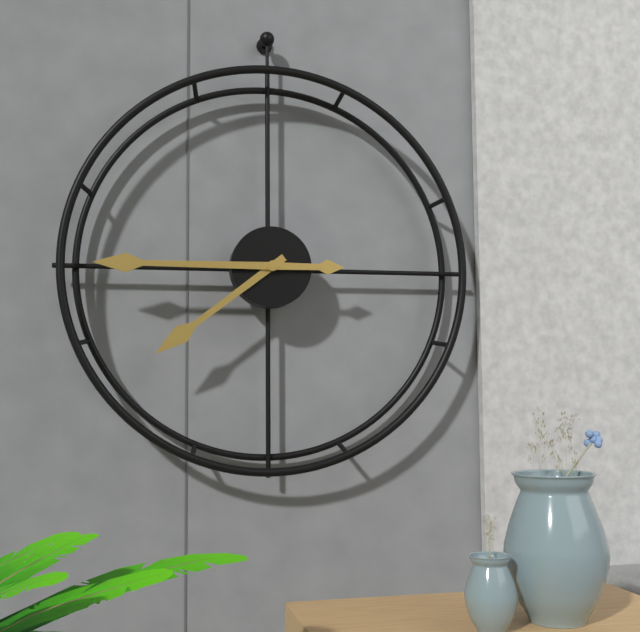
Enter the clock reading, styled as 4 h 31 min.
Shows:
7 h 45 min
